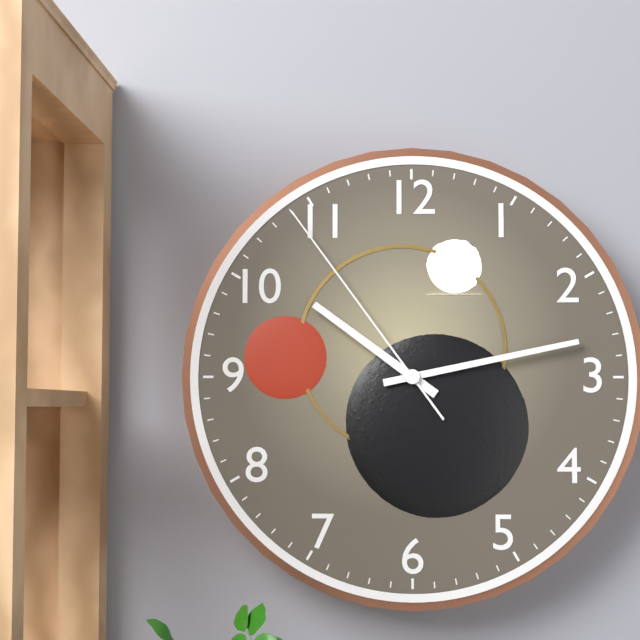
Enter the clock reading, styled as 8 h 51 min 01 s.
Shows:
10 h 13 min 54 s
